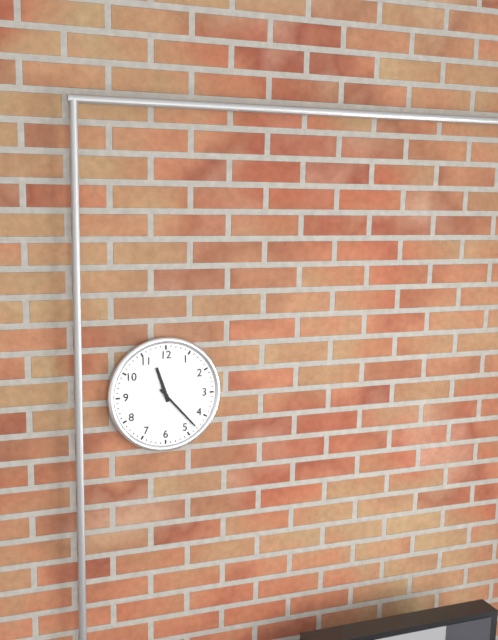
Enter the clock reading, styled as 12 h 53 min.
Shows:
11 h 23 min
